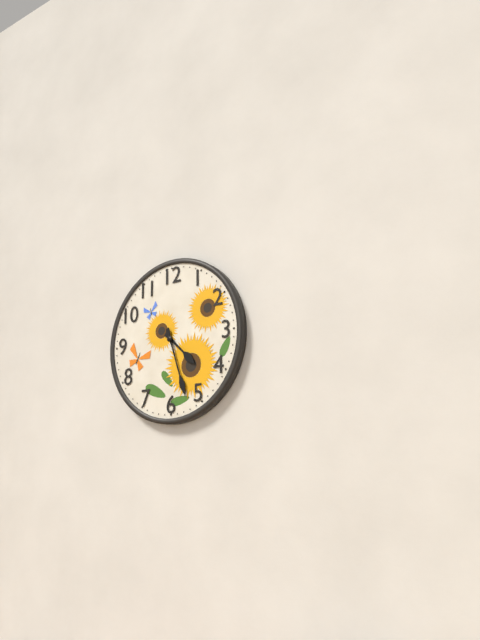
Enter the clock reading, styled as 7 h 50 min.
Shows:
4 h 27 min
